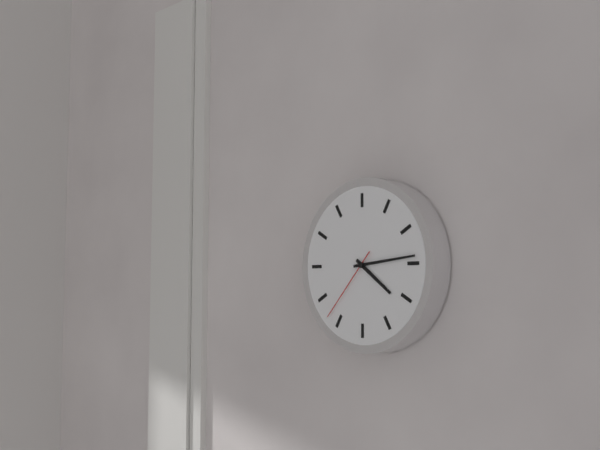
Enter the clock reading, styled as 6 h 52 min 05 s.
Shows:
4 h 14 min 37 s
